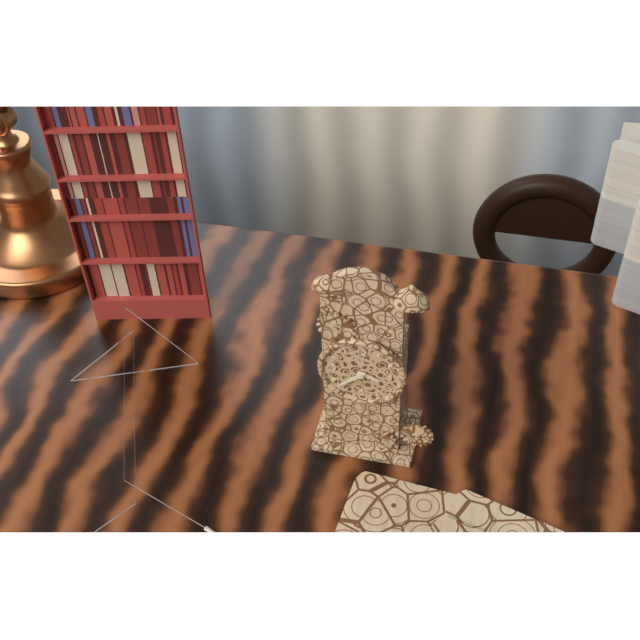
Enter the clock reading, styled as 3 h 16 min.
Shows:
3 h 38 min
